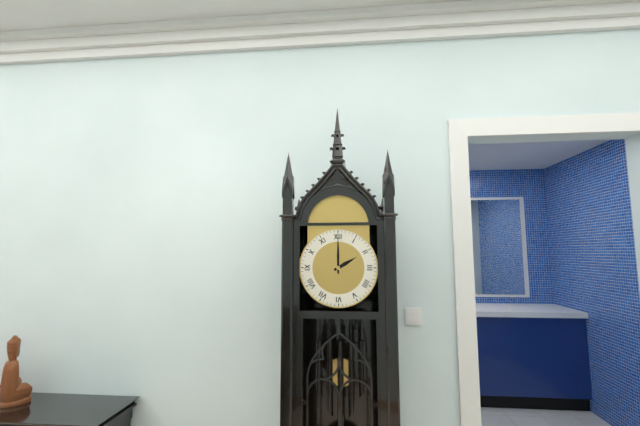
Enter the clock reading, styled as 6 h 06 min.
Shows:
2 h 00 min
